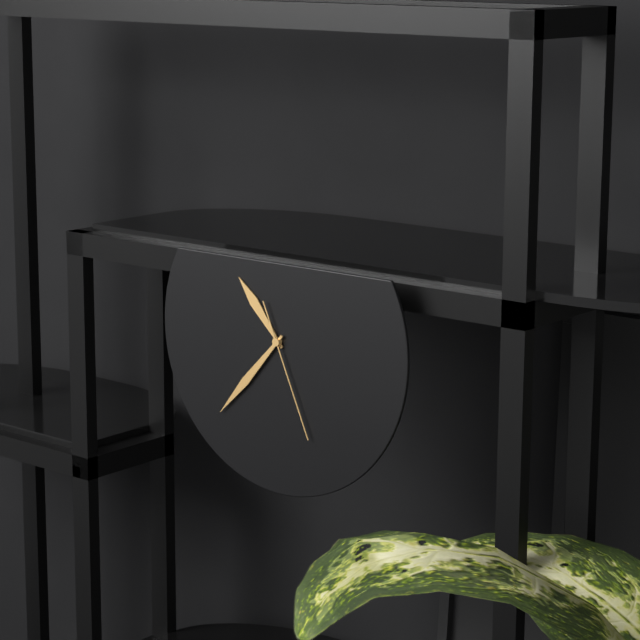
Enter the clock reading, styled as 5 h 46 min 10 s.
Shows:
10 h 37 min 26 s
